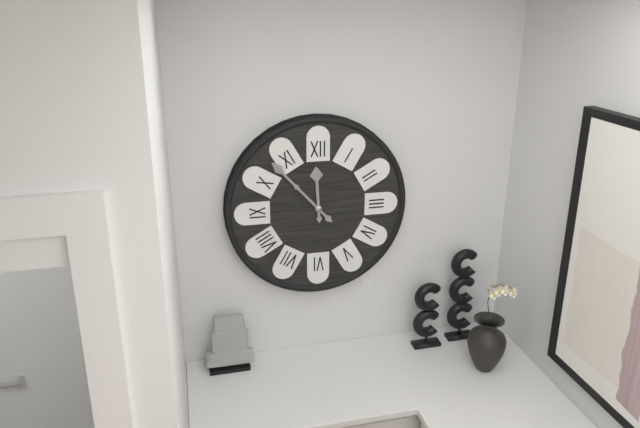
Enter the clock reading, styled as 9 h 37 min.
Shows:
11 h 53 min
